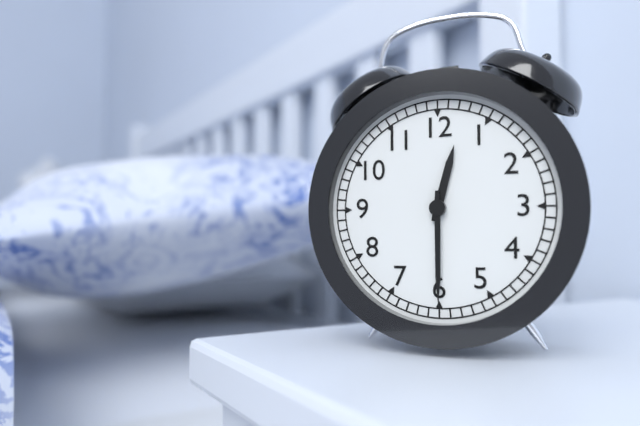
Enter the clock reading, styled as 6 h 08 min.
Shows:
12 h 30 min
